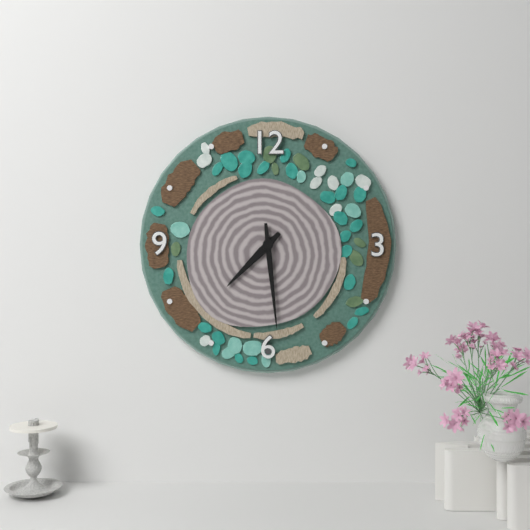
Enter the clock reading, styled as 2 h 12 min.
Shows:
7 h 29 min
